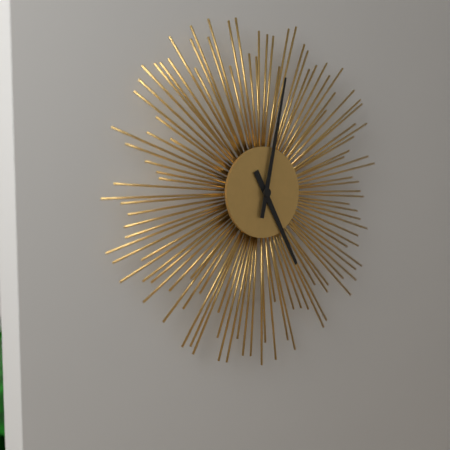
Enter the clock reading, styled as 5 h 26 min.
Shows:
5 h 02 min
